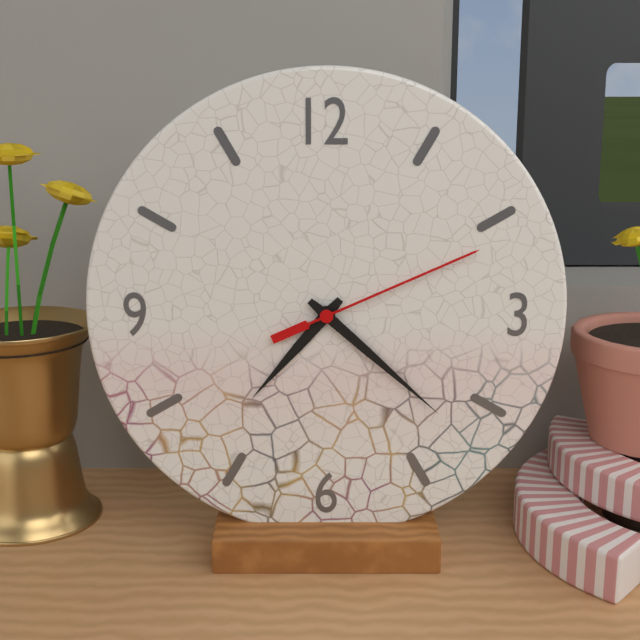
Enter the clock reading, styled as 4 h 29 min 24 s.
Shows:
7 h 22 min 11 s
